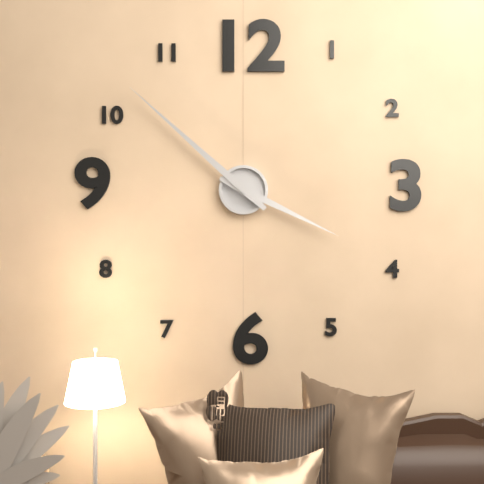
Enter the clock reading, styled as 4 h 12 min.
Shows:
3 h 52 min
